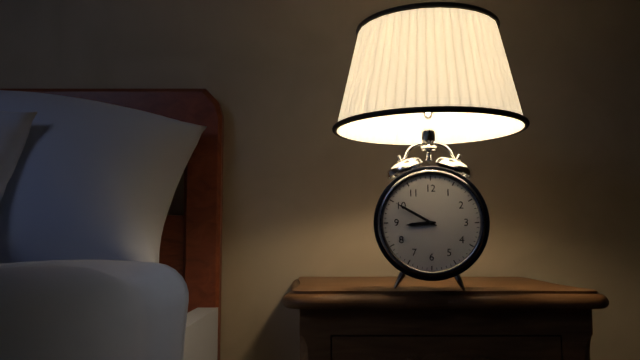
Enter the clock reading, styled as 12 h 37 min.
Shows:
8 h 50 min
